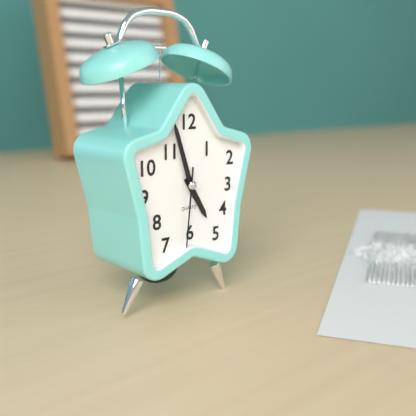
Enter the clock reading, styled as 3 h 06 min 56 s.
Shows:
4 h 57 min 31 s
